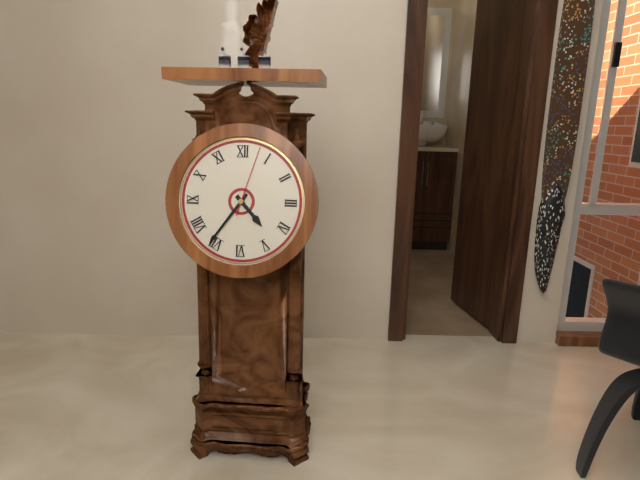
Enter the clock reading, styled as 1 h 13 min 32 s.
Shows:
4 h 36 min 03 s
